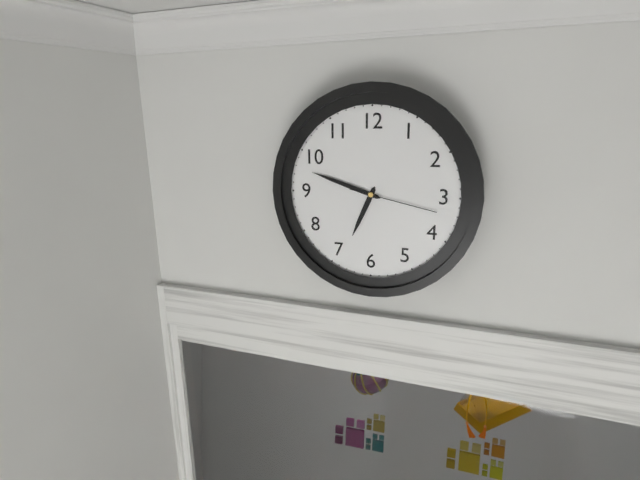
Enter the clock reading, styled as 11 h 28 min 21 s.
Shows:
6 h 48 min 17 s
